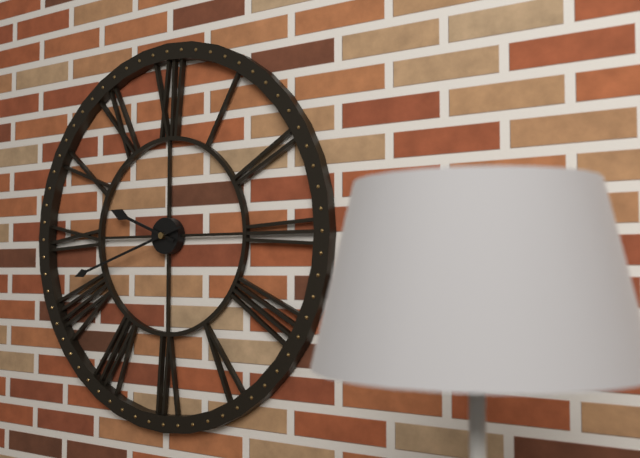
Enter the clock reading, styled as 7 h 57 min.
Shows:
9 h 42 min
